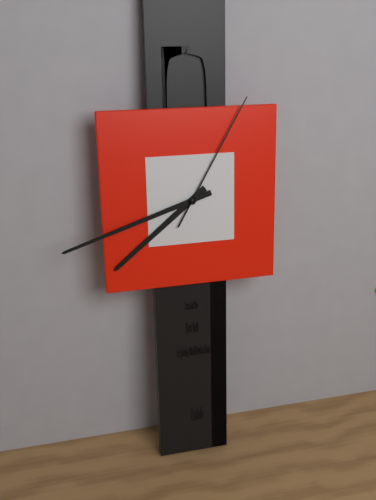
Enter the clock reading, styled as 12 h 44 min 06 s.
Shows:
7 h 42 min 05 s
